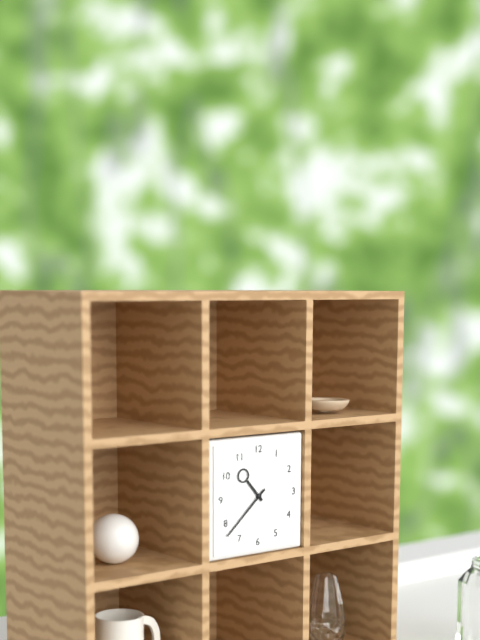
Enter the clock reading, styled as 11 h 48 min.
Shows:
10 h 38 min
